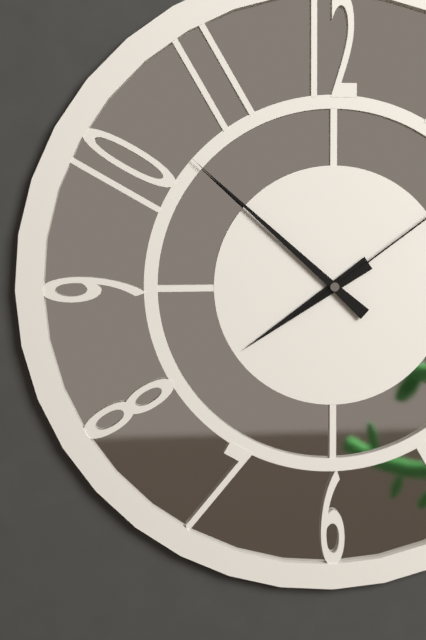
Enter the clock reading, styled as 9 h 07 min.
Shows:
7 h 52 min
